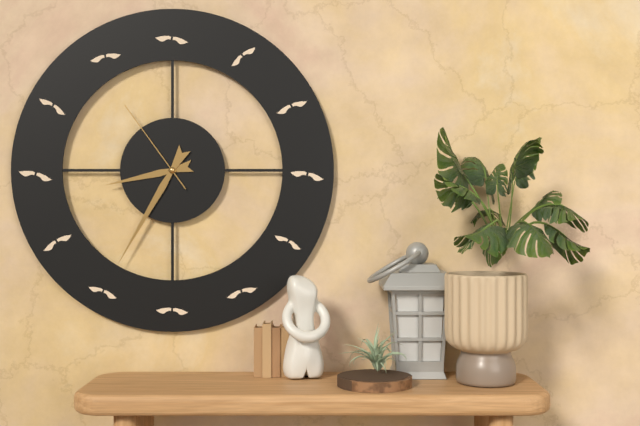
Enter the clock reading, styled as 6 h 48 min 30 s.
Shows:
8 h 35 min 54 s
